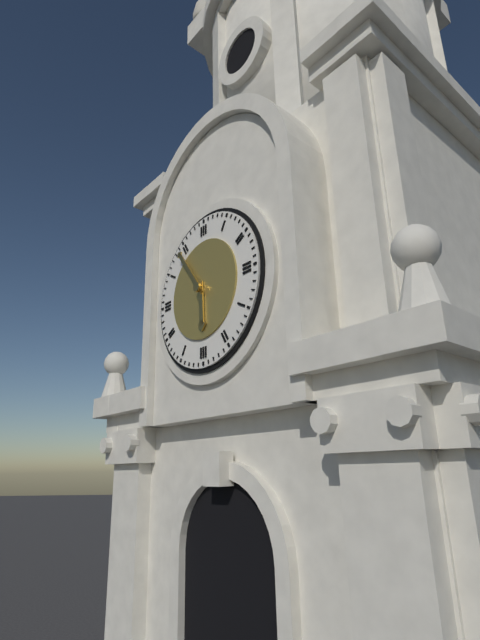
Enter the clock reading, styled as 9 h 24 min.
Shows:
5 h 54 min
